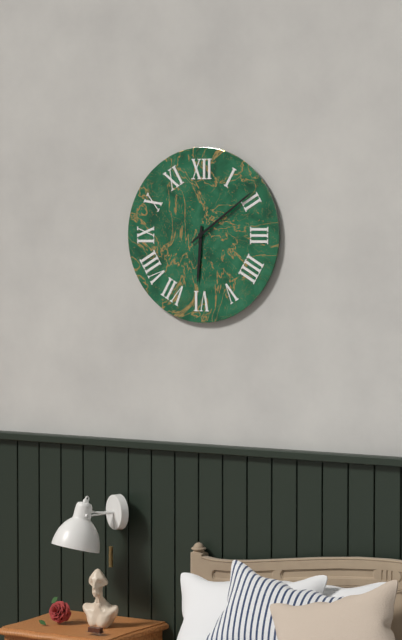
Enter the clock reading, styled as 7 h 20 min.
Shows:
6 h 09 min
